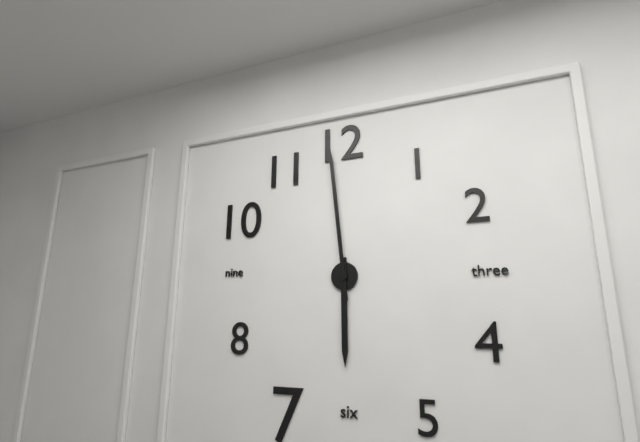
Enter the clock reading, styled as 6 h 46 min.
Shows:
5 h 59 min
